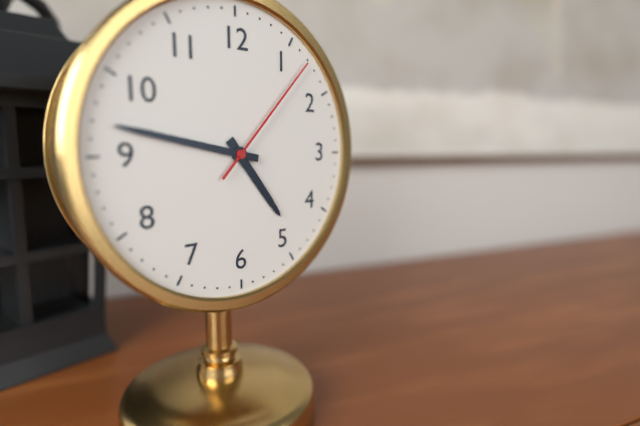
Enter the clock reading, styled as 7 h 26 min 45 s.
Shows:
4 h 47 min 07 s
